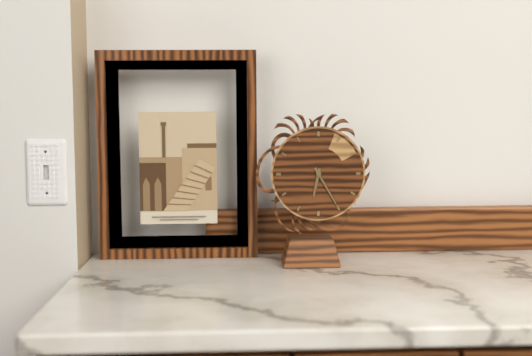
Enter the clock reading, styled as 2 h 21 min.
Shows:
6 h 25 min
